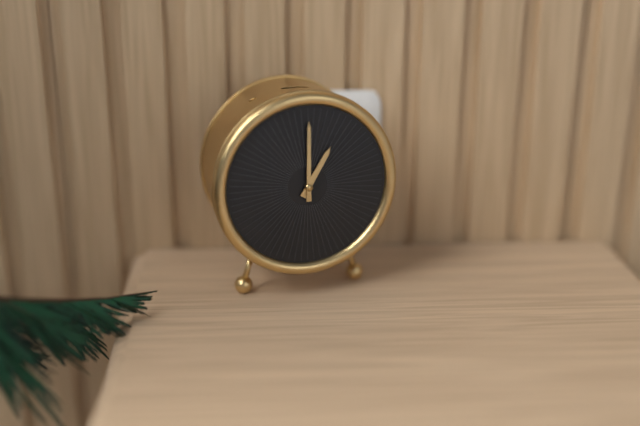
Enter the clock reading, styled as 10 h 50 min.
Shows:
1 h 00 min
